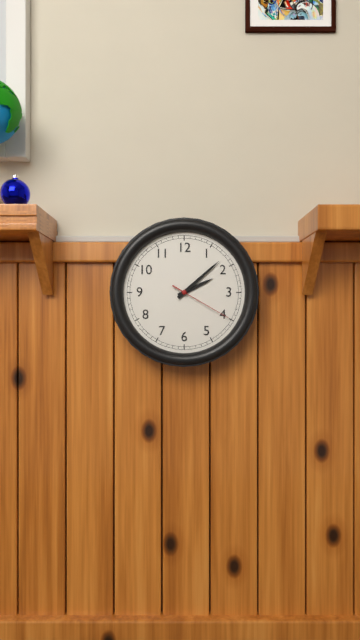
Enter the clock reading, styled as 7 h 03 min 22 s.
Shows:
2 h 08 min 20 s
